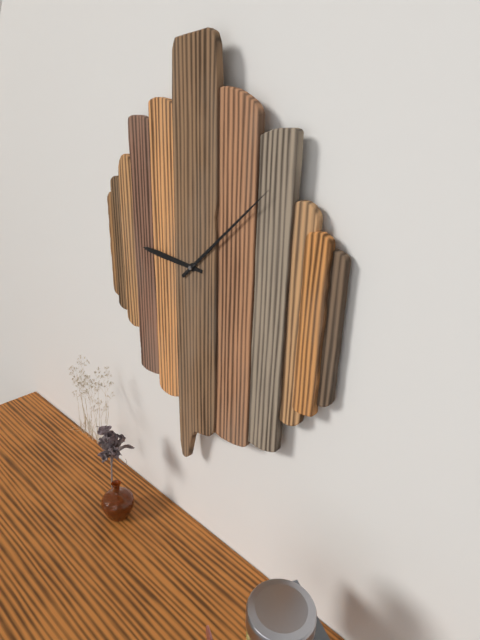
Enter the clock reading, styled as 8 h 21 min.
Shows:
9 h 08 min
